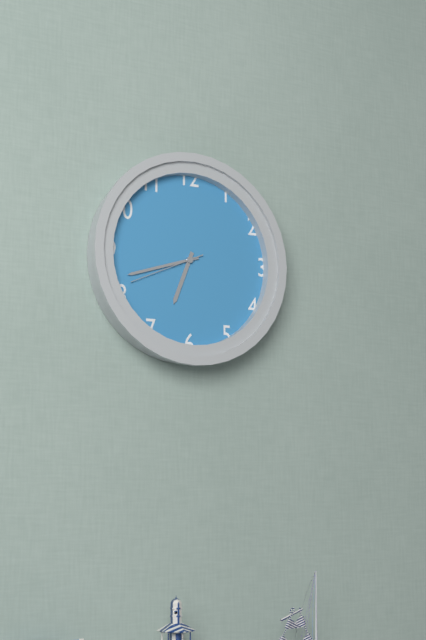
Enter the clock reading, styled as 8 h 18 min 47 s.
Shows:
6 h 42 min 41 s
